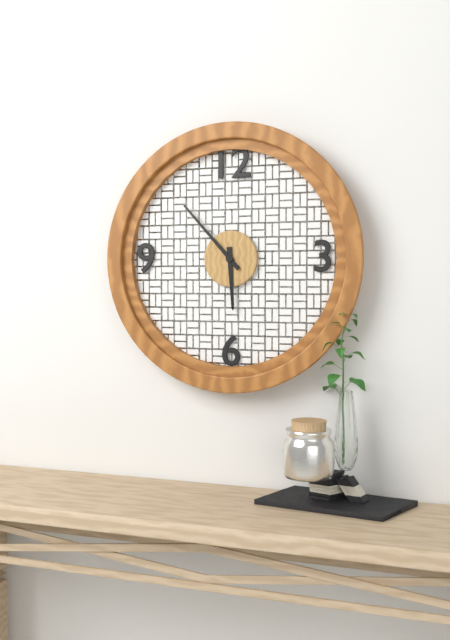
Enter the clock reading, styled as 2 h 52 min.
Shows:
5 h 53 min
